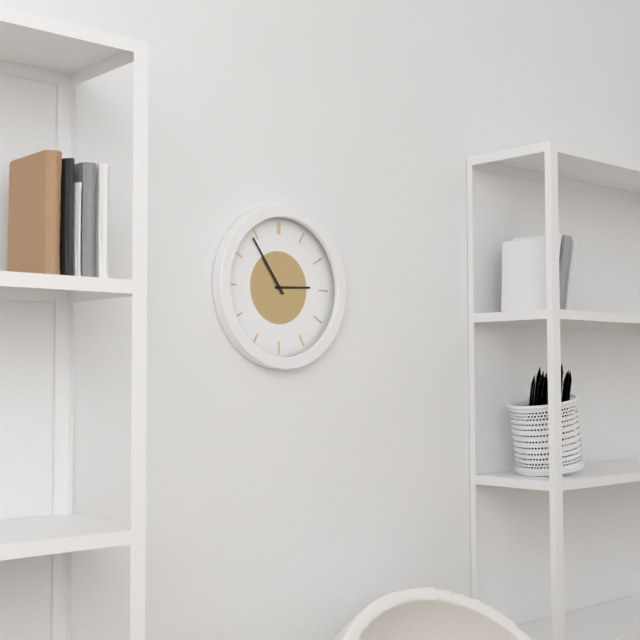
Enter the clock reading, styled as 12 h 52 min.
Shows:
2 h 54 min
